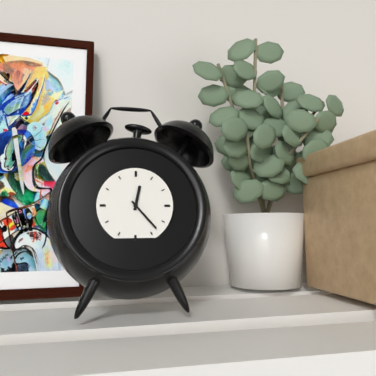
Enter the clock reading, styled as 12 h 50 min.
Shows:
12 h 23 min
